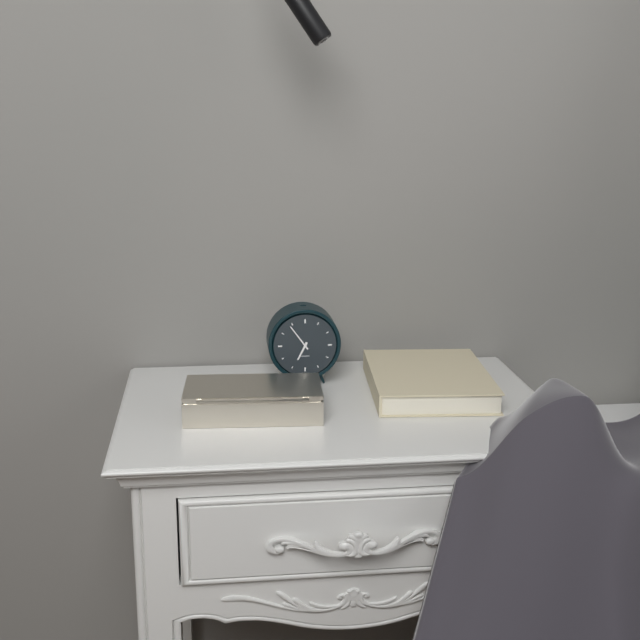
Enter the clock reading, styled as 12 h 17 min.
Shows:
6 h 54 min
